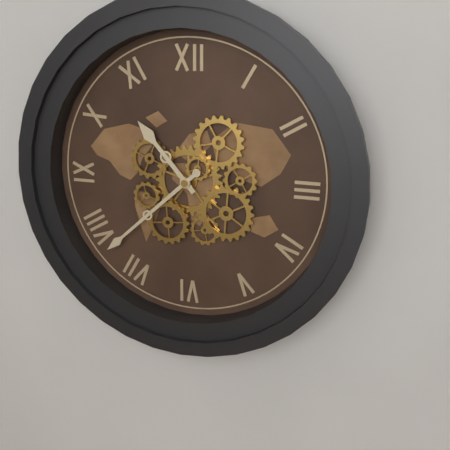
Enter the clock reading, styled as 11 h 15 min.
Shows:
10 h 38 min
